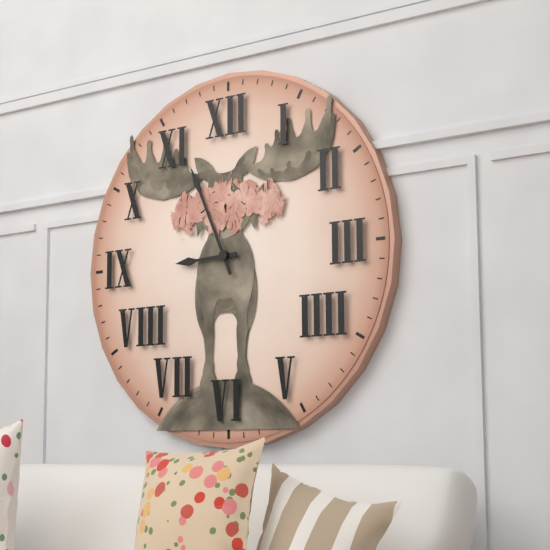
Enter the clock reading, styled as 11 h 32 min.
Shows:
8 h 56 min
